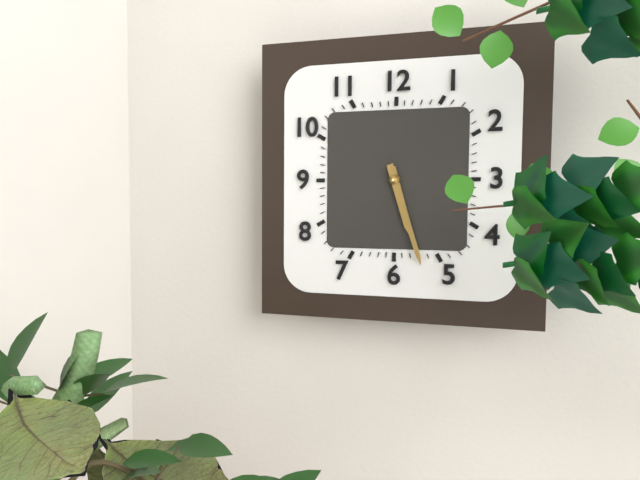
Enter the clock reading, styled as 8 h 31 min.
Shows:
5 h 27 min
